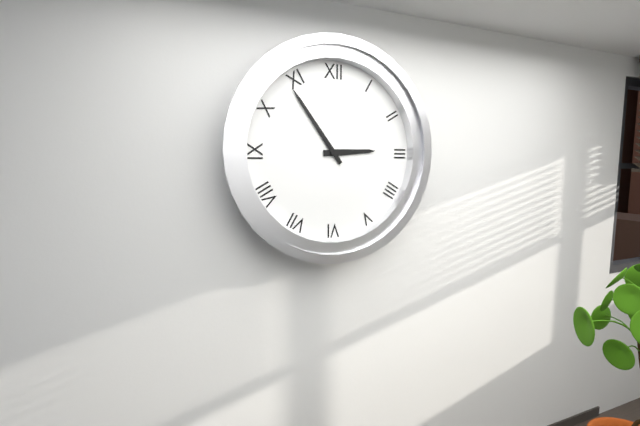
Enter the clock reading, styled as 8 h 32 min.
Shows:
2 h 54 min
